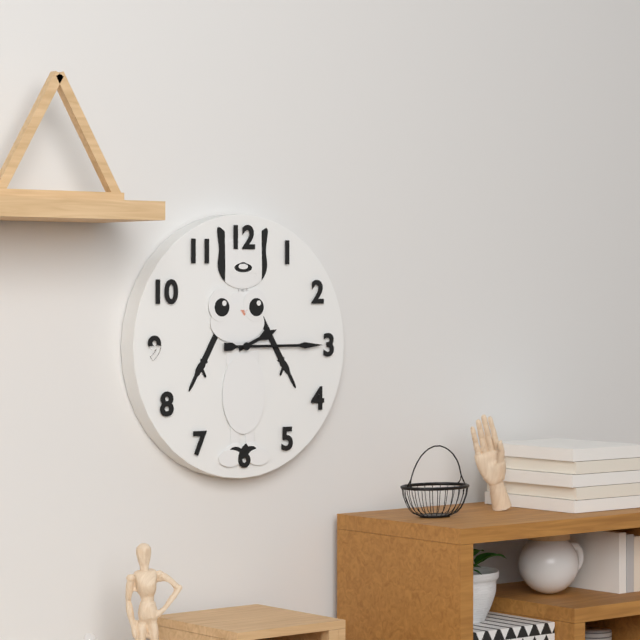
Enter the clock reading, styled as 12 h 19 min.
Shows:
2 h 15 min
